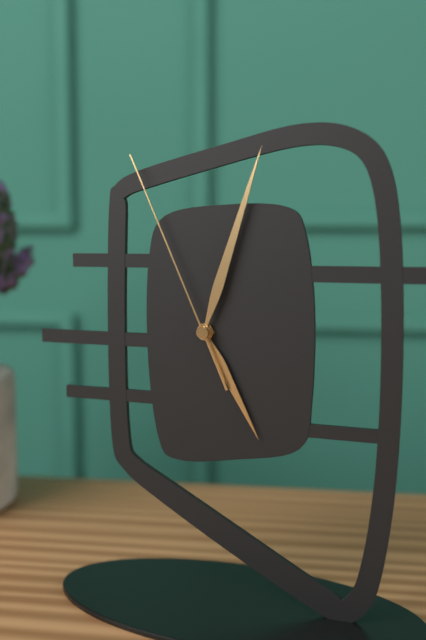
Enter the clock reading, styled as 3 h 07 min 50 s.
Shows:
5 h 03 min 56 s
